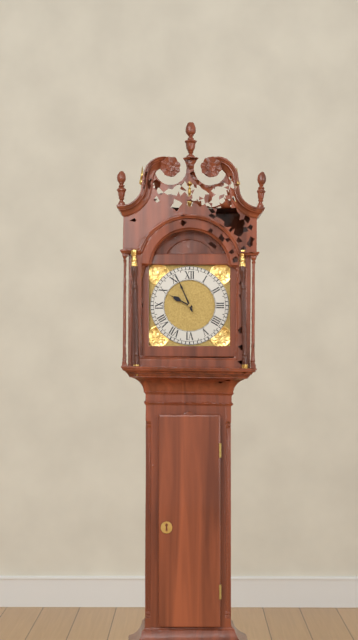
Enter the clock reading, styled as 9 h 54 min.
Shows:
9 h 56 min
